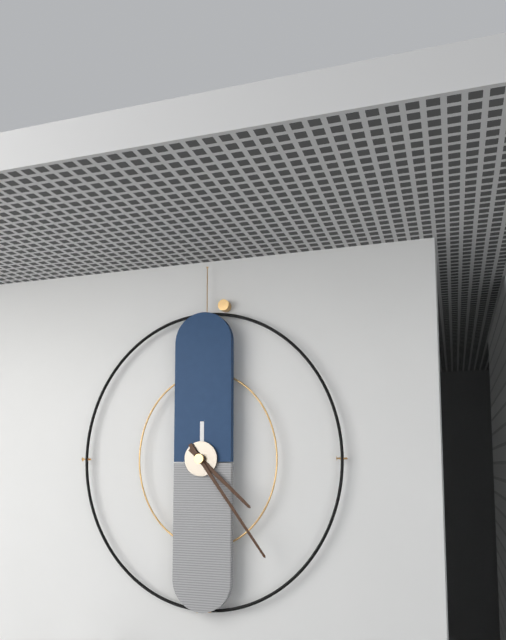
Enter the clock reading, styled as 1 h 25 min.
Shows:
4 h 24 min
